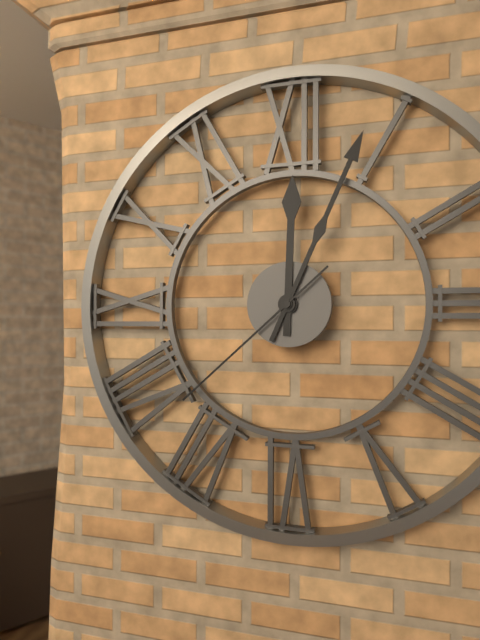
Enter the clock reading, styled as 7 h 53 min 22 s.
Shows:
12 h 04 min 38 s
